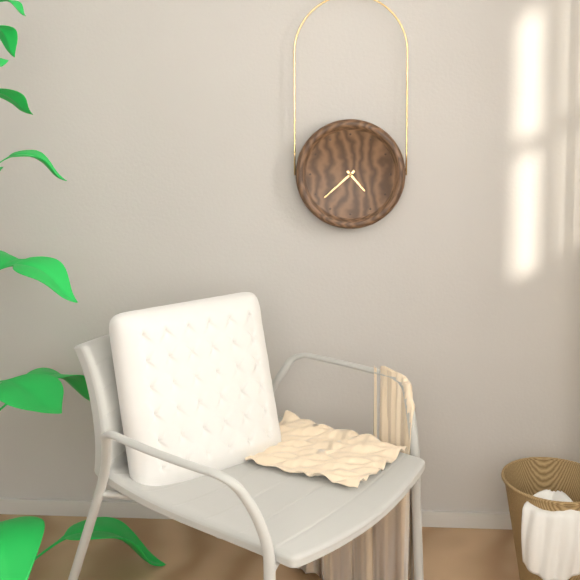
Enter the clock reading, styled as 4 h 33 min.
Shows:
4 h 38 min
